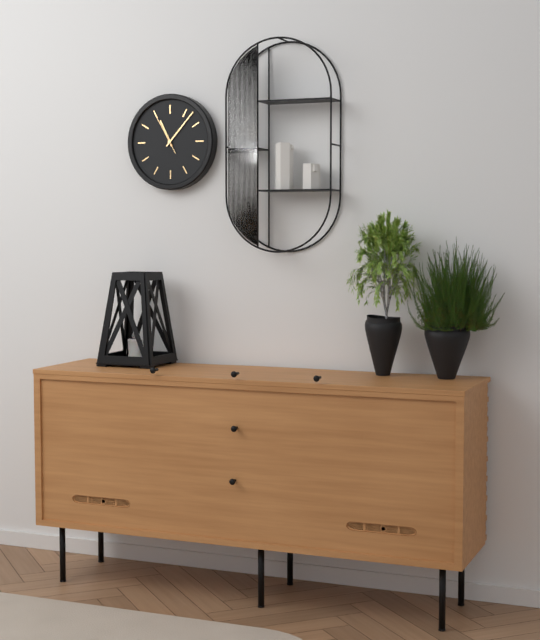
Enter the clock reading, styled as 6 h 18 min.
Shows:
11 h 07 min
